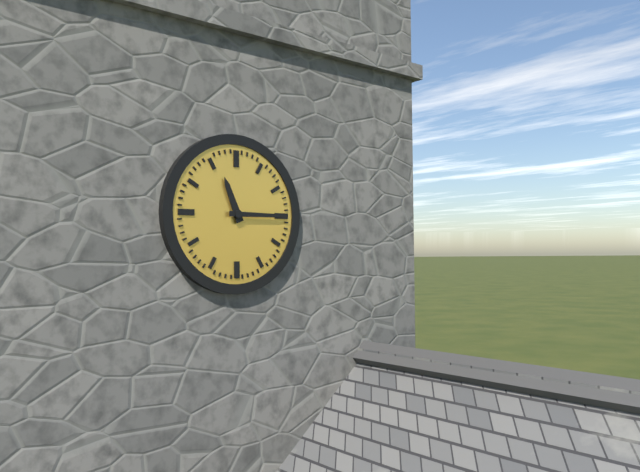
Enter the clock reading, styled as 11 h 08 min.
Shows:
11 h 15 min
